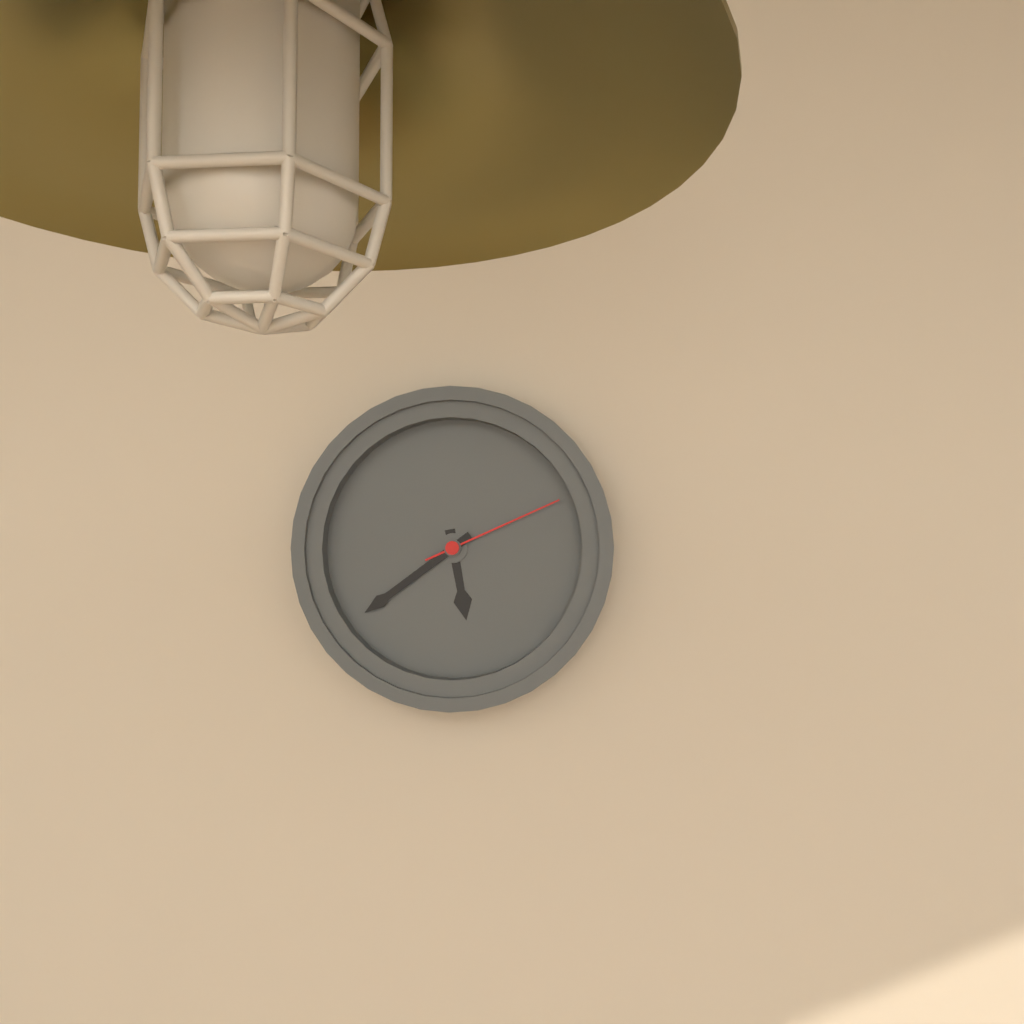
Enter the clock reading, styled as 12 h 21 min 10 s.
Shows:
5 h 39 min 11 s
